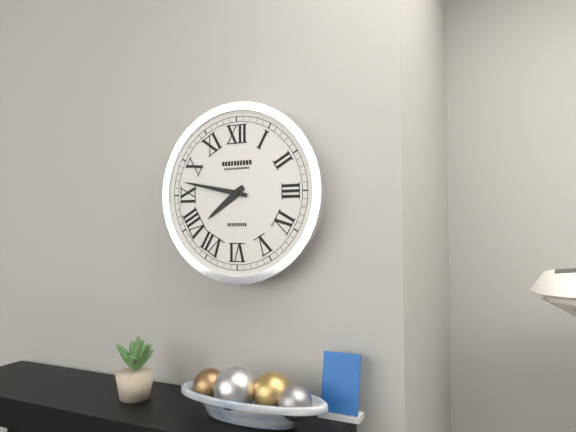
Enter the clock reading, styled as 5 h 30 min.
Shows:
7 h 47 min
